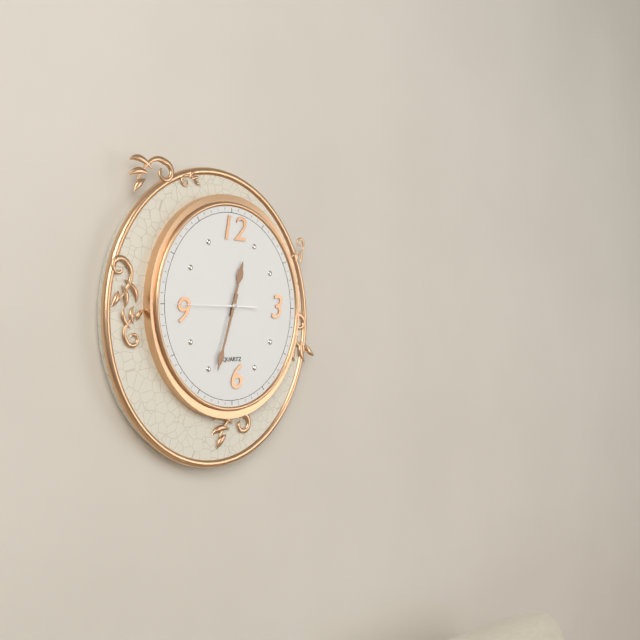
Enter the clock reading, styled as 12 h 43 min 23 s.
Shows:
12 h 33 min 45 s
